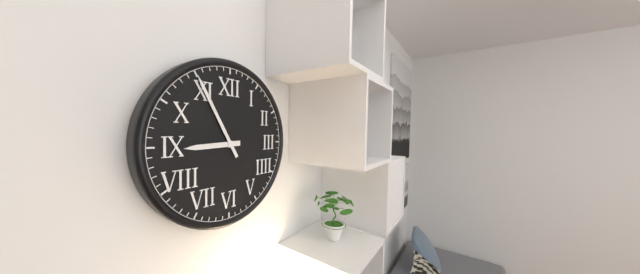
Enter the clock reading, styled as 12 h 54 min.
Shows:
8 h 55 min
